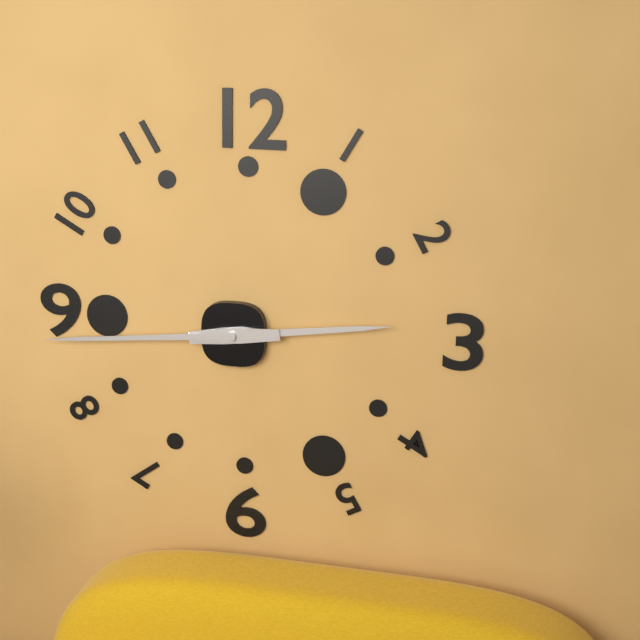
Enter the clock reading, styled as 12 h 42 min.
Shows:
2 h 44 min
